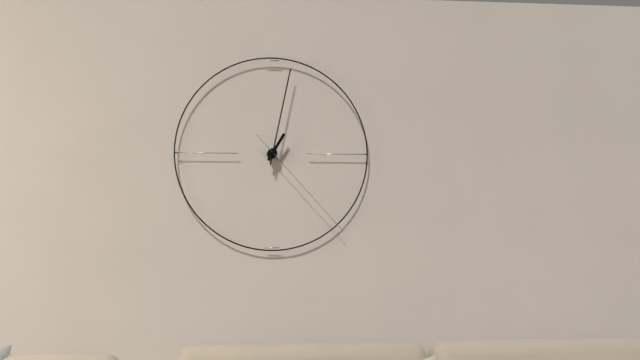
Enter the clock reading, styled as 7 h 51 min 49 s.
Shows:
1 h 02 min 23 s
